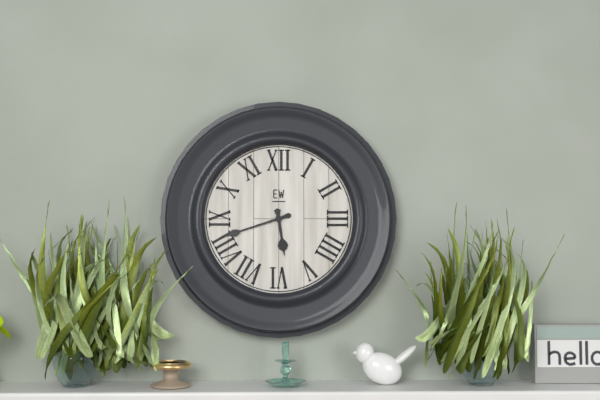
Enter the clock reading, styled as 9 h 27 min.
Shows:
5 h 42 min
